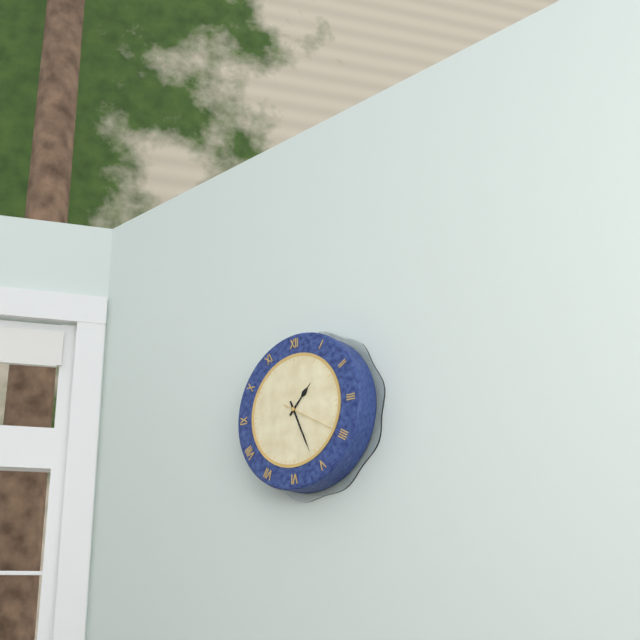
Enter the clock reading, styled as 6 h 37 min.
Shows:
1 h 26 min
